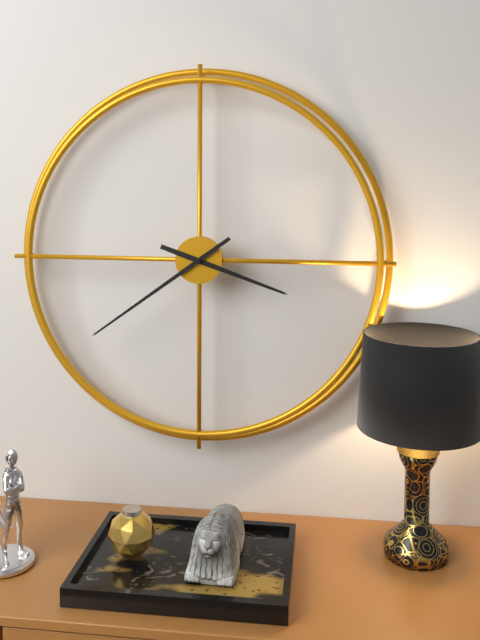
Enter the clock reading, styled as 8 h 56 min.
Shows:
3 h 39 min
